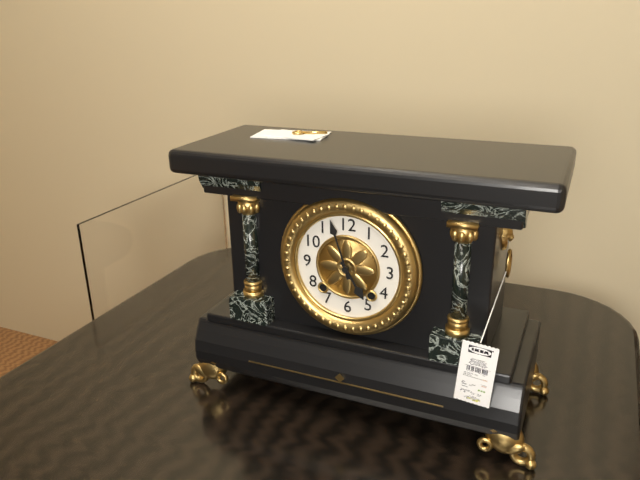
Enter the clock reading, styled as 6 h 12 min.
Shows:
4 h 57 min
